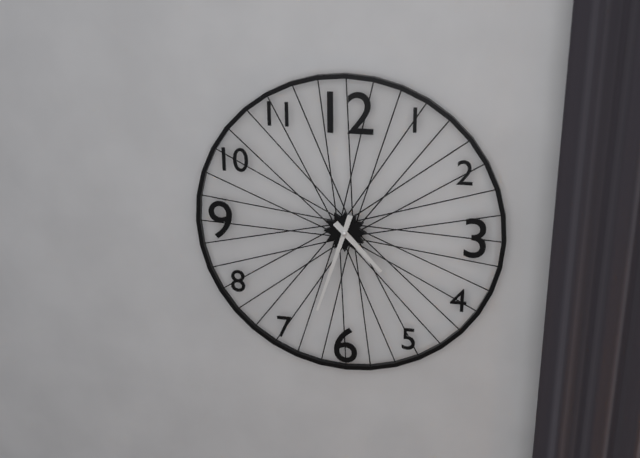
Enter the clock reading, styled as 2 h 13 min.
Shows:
4 h 33 min
